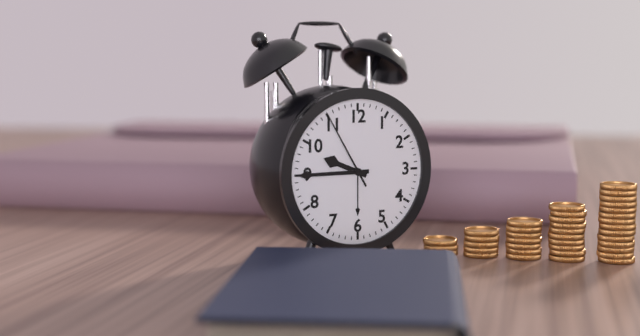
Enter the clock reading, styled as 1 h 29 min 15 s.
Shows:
9 h 45 min 55 s
